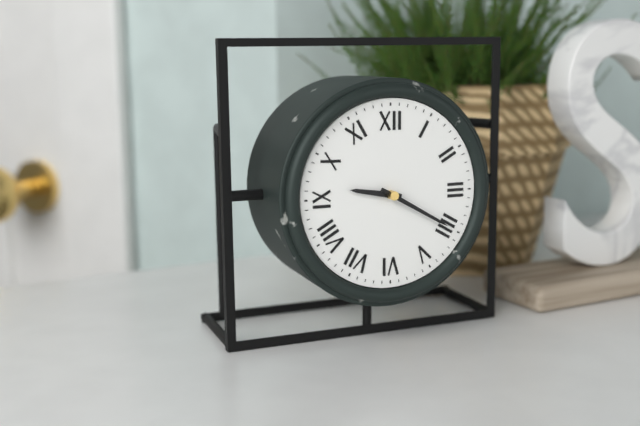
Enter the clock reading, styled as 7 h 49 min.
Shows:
9 h 20 min
